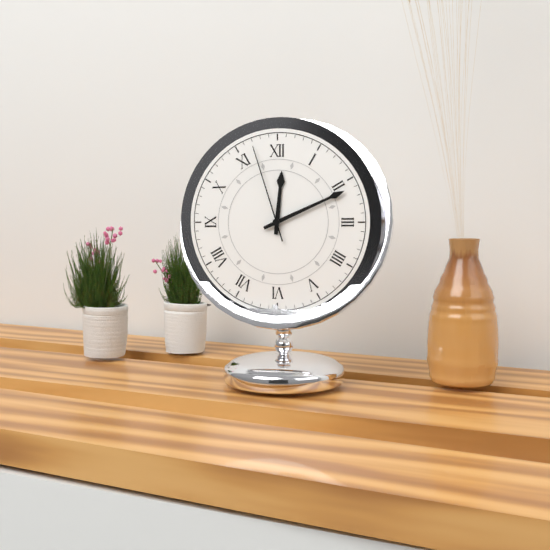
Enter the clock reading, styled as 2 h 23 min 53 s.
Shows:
12 h 11 min 57 s
